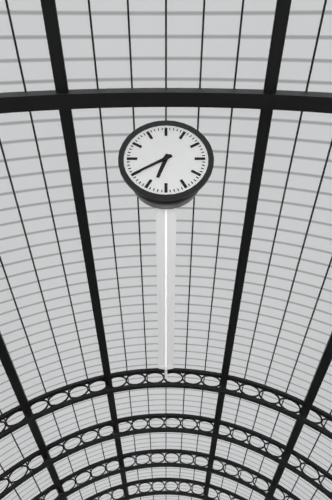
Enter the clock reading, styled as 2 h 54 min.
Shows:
6 h 40 min
